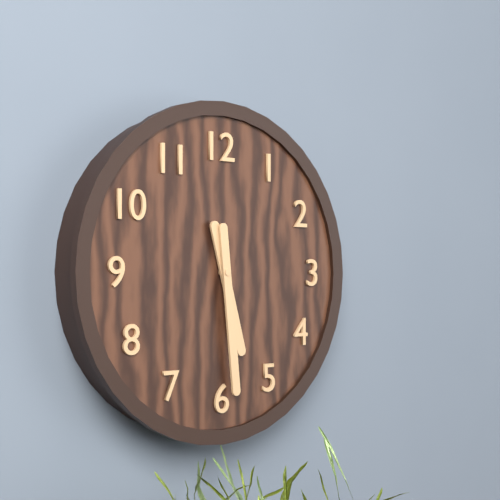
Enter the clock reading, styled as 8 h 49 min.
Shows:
5 h 29 min
